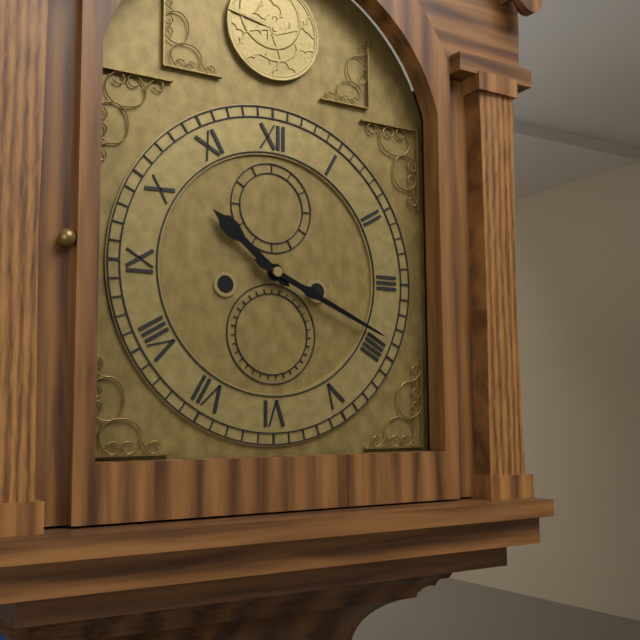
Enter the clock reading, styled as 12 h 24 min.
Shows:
10 h 19 min
